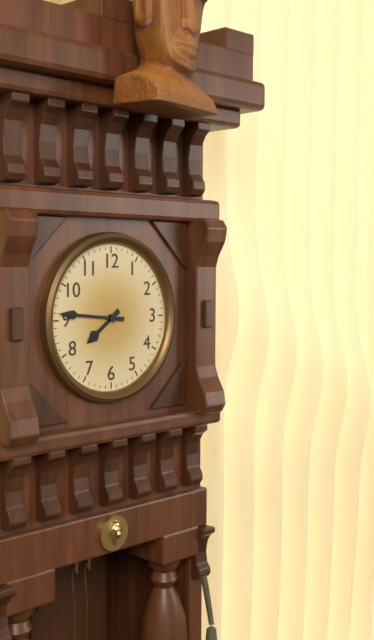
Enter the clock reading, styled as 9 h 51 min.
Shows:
7 h 46 min
